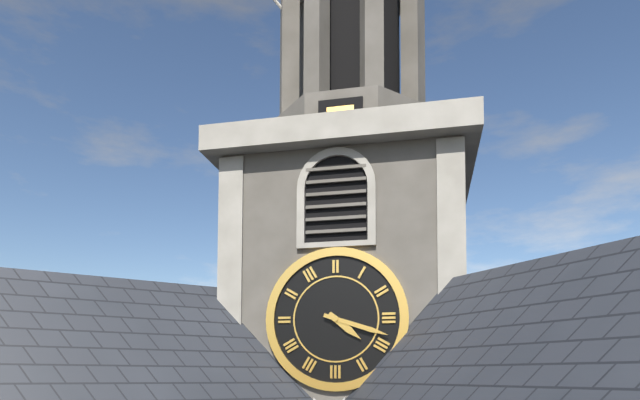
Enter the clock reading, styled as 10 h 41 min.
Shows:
4 h 18 min
